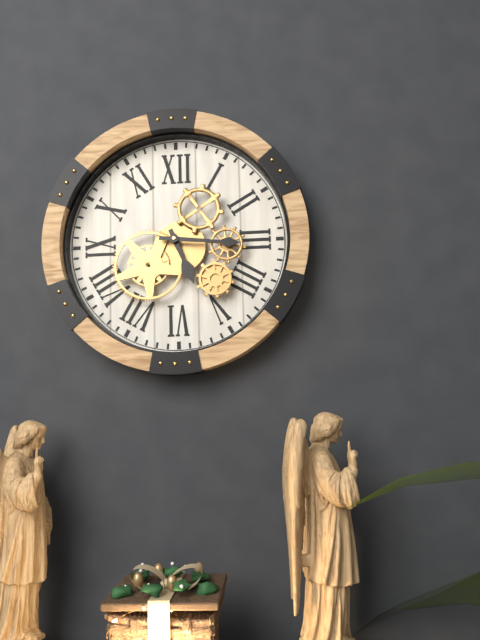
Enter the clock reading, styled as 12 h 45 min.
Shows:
5 h 16 min
